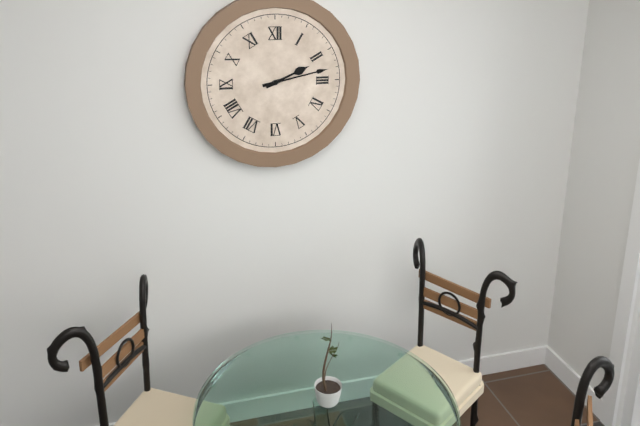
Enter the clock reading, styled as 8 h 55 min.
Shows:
2 h 13 min
